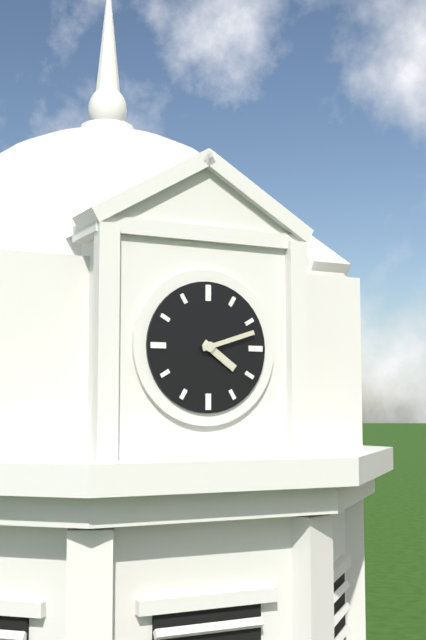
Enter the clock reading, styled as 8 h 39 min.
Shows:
4 h 12 min
